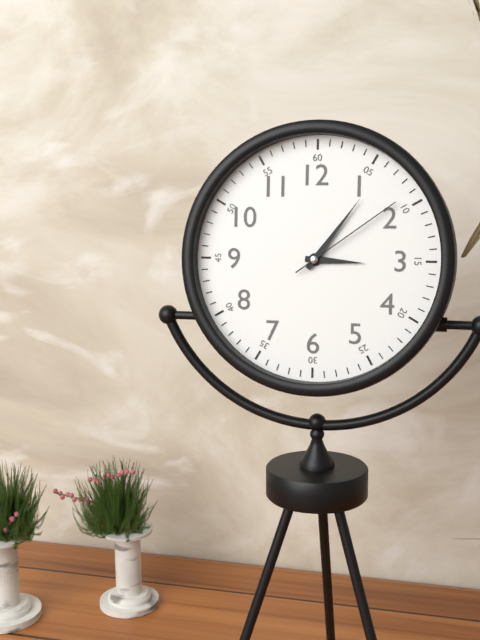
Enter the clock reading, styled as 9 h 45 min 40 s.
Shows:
3 h 06 min 09 s
